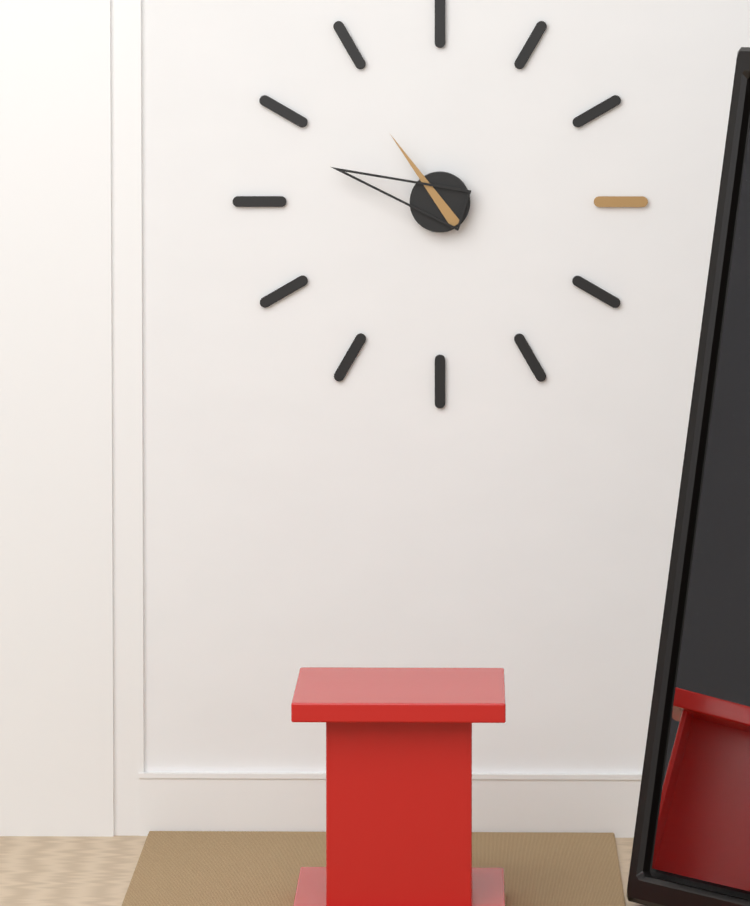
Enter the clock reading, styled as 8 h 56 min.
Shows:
10 h 48 min
